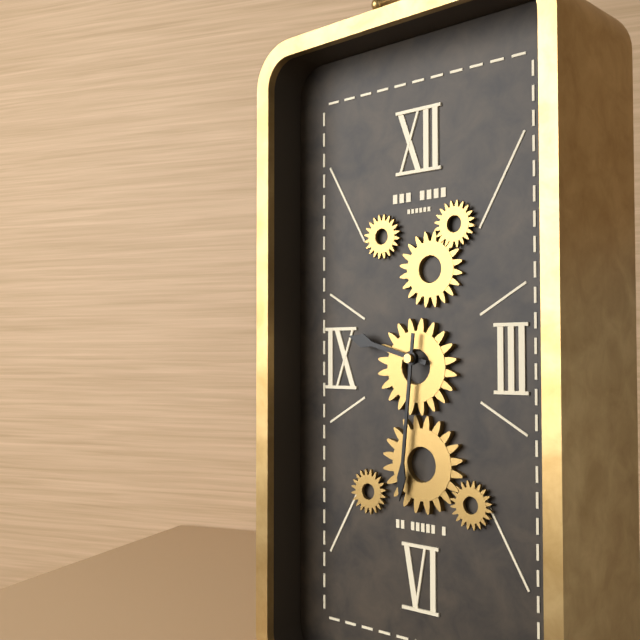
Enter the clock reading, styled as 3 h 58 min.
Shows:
9 h 31 min
